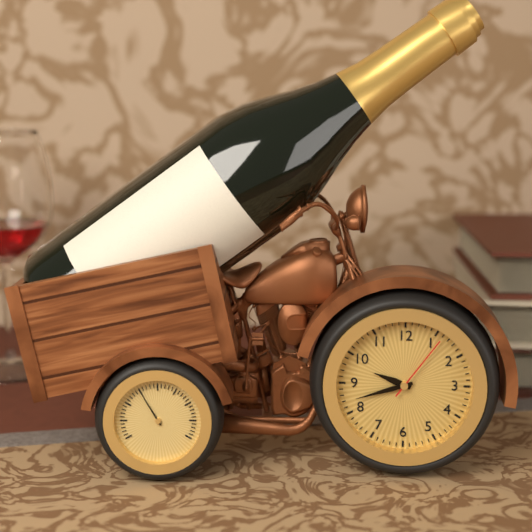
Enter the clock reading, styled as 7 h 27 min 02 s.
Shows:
9 h 42 min 06 s
